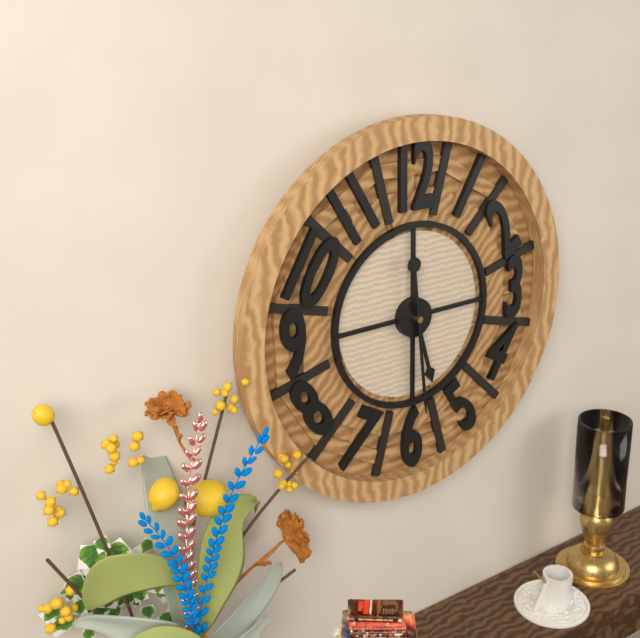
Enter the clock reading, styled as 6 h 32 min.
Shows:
5 h 29 min
